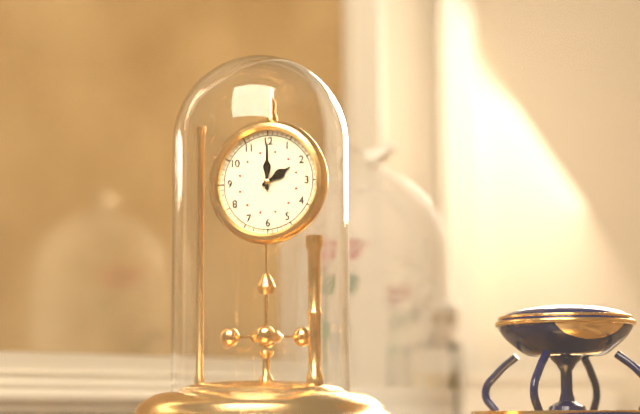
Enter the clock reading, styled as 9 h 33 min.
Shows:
2 h 00 min
